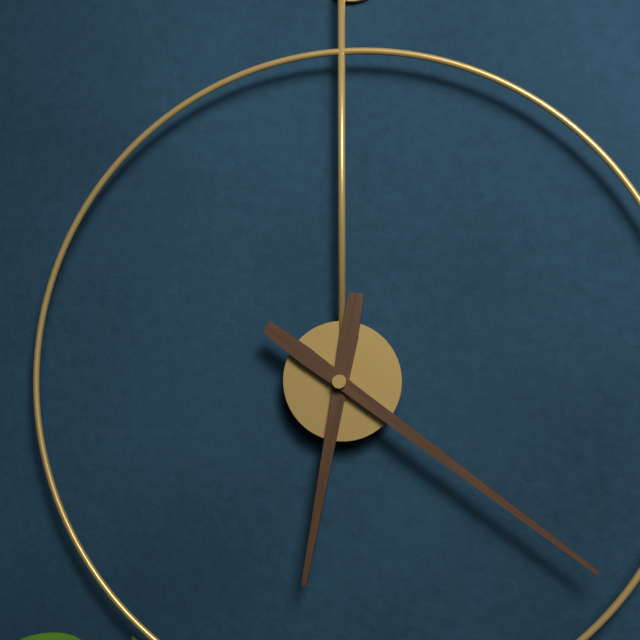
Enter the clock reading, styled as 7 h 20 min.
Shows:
6 h 21 min
